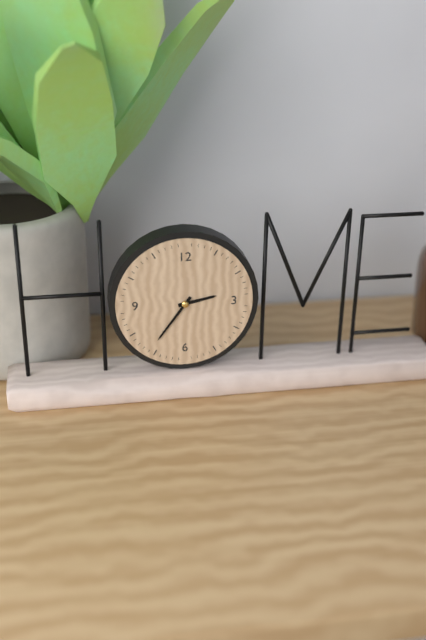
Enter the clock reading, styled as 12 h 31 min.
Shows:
2 h 36 min
